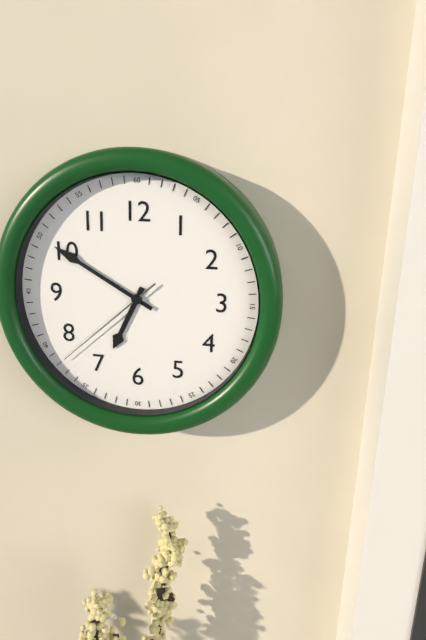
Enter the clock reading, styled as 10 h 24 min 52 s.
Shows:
6 h 50 min 38 s
